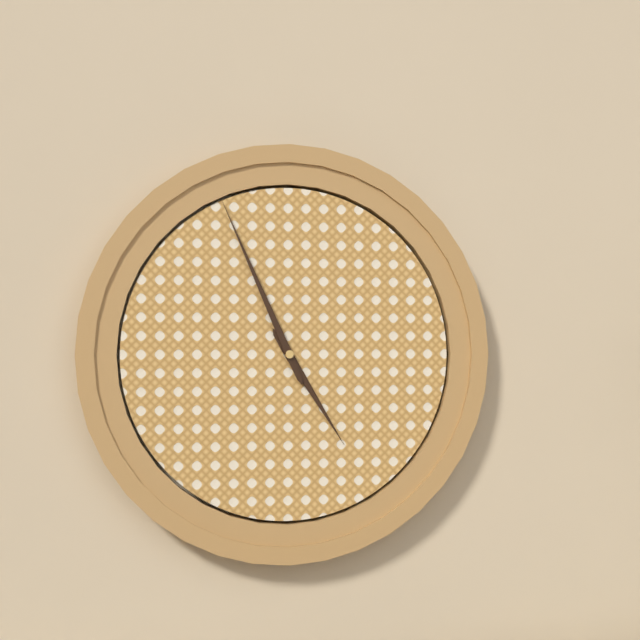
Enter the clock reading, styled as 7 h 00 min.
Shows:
4 h 56 min
